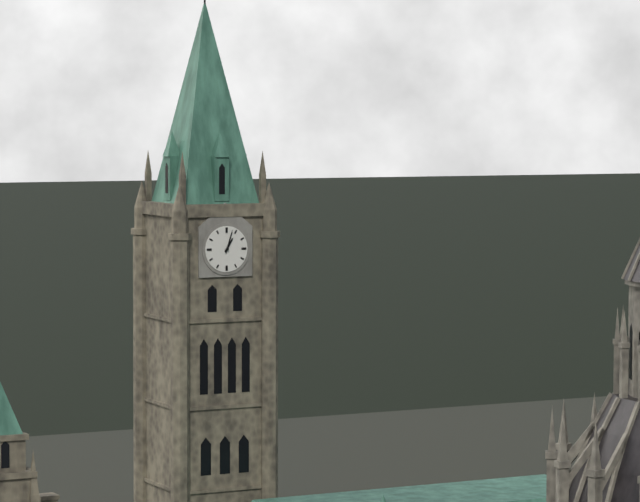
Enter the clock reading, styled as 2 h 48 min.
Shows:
1 h 03 min
